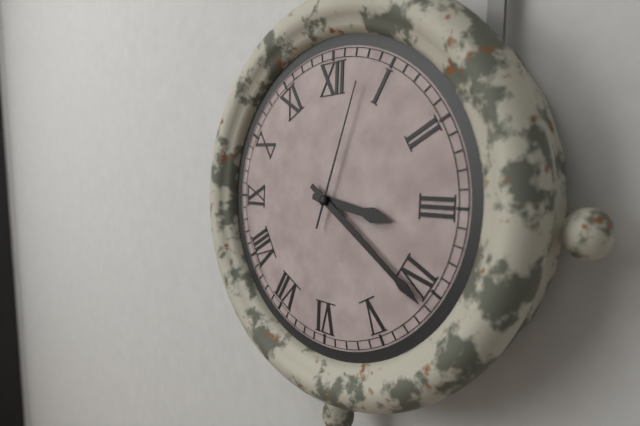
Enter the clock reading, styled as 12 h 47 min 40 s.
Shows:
3 h 21 min 03 s
